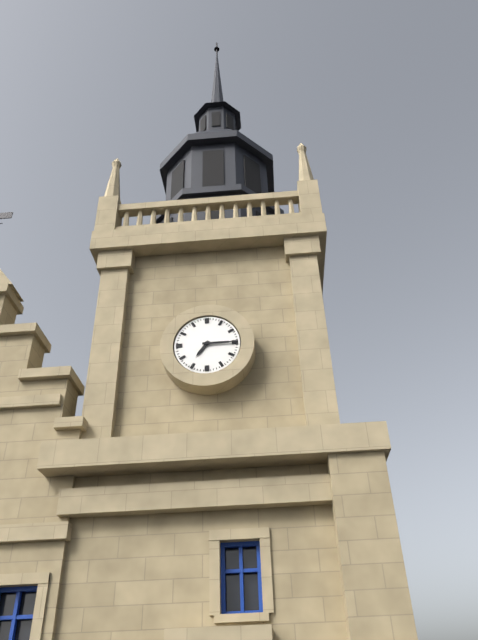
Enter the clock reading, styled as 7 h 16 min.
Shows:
7 h 15 min
